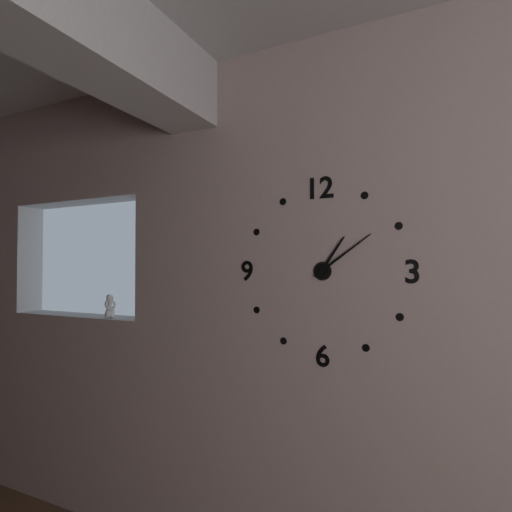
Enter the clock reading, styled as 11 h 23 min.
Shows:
1 h 09 min
